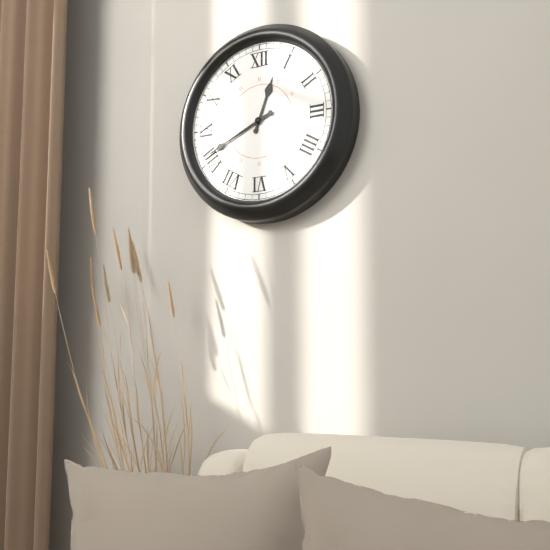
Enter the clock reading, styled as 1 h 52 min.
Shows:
12 h 41 min
